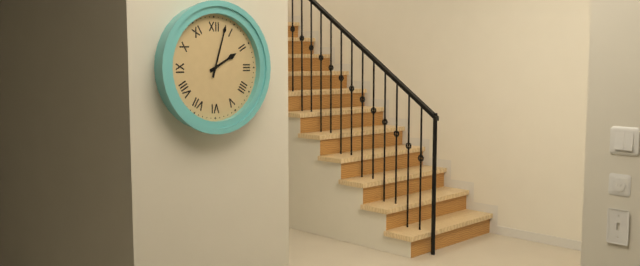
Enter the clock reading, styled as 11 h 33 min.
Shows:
2 h 03 min
